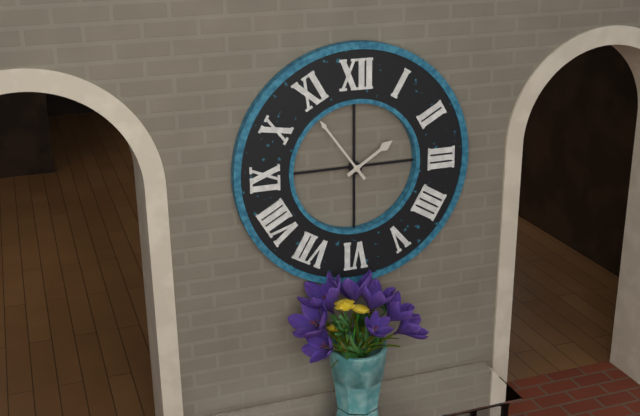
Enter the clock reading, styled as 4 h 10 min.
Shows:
1 h 54 min
